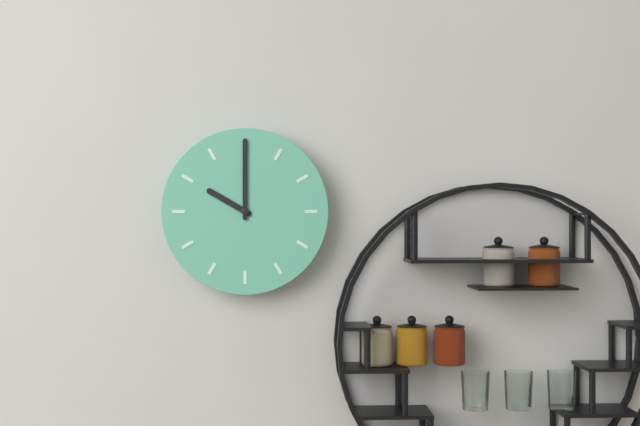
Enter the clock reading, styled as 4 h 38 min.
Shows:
10 h 00 min
